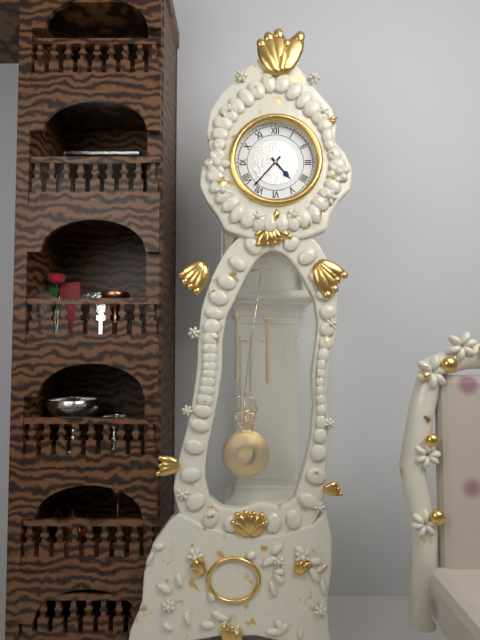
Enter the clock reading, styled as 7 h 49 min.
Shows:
4 h 37 min
